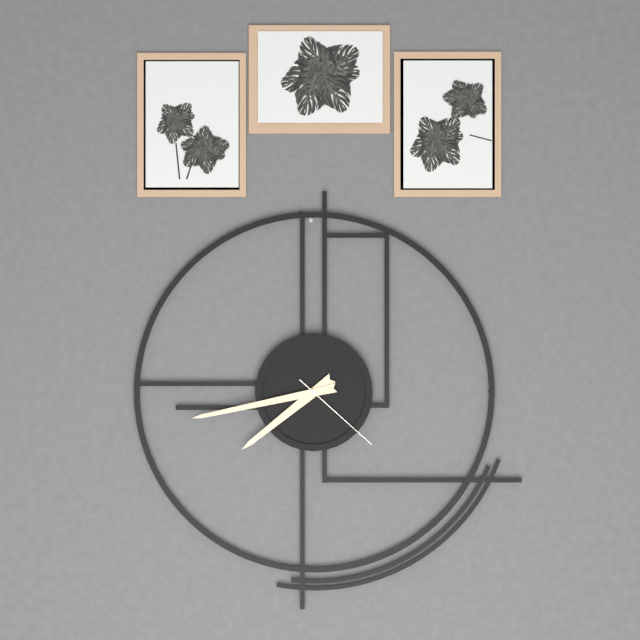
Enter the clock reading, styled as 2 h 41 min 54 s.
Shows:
7 h 43 min 22 s
